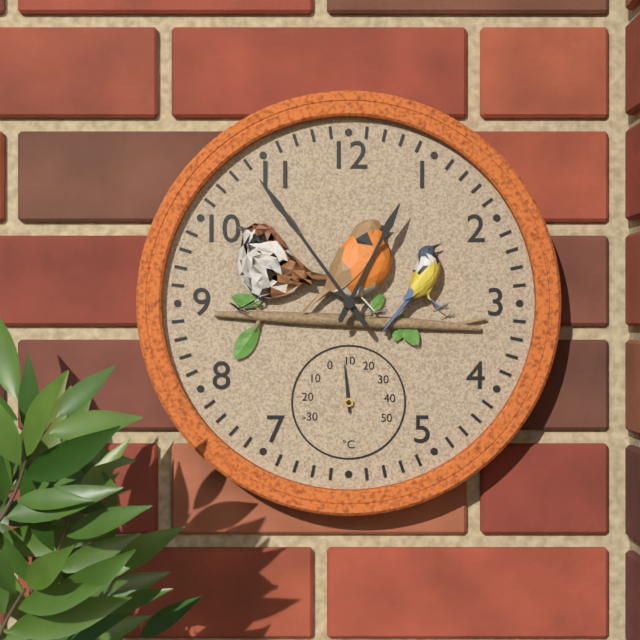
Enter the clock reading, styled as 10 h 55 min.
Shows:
12 h 54 min
